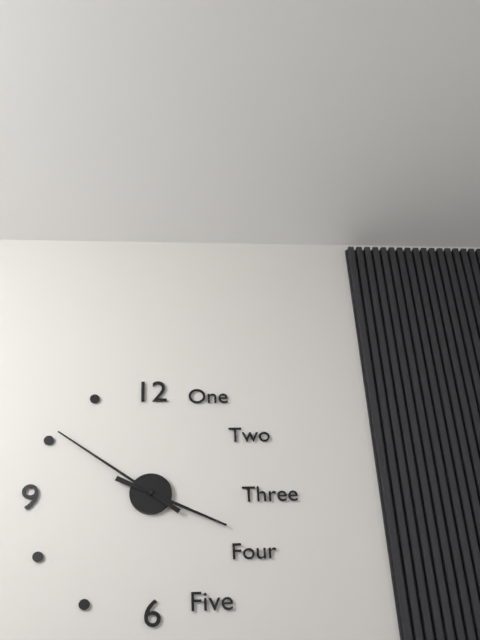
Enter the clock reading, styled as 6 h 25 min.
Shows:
3 h 51 min
